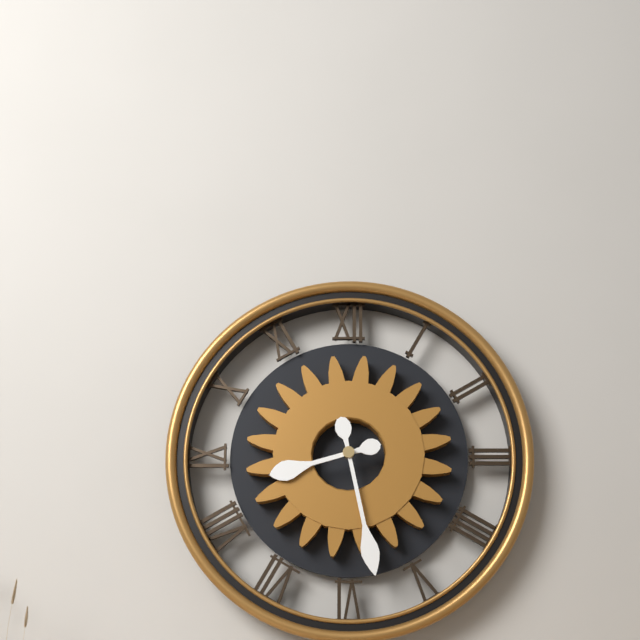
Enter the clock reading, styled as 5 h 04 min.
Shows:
8 h 28 min
